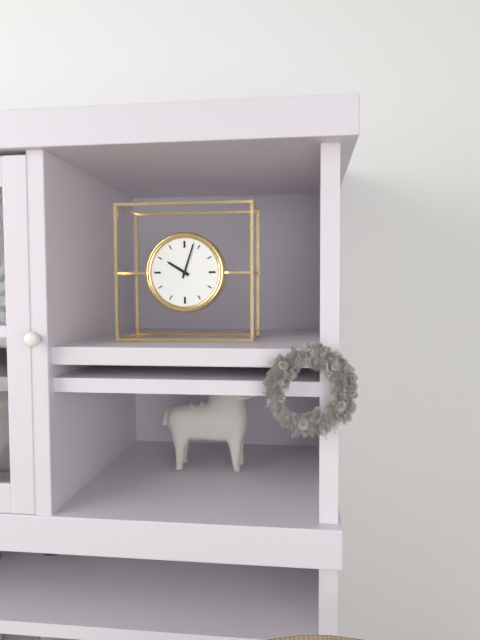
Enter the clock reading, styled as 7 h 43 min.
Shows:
10 h 03 min
